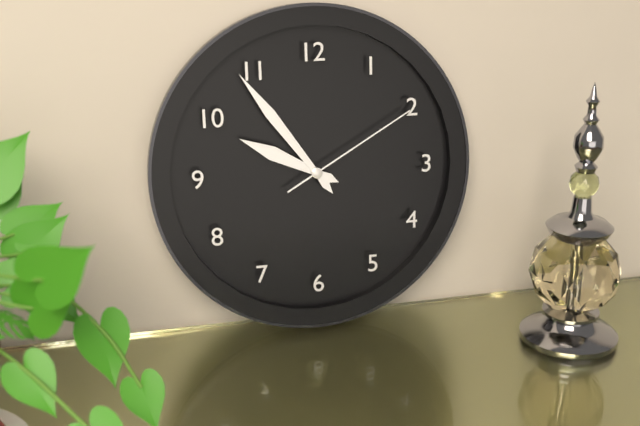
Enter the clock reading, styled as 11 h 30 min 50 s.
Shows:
9 h 54 min 10 s
